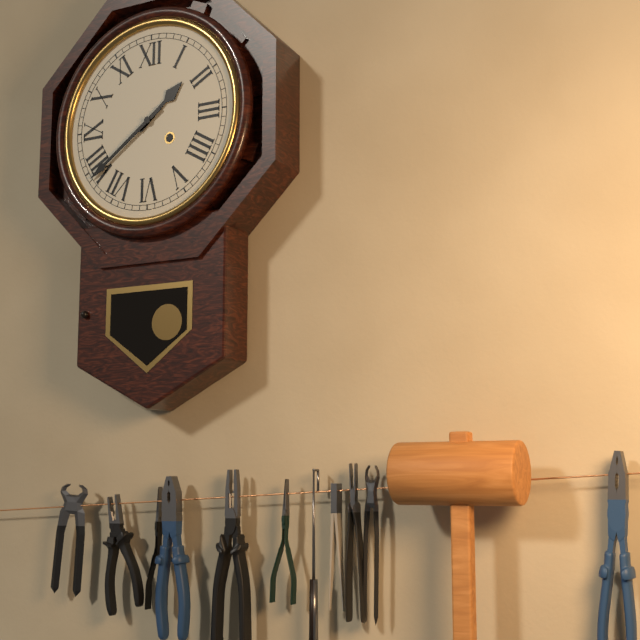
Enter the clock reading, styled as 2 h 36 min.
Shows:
1 h 39 min
